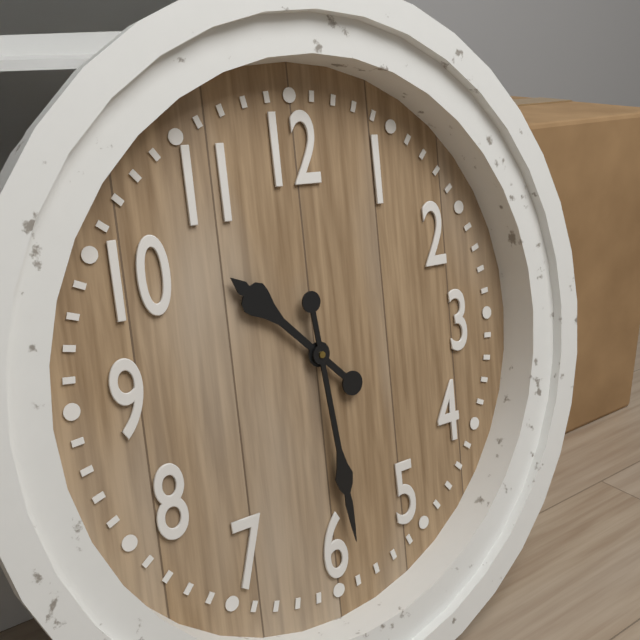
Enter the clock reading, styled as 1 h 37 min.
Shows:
10 h 29 min
